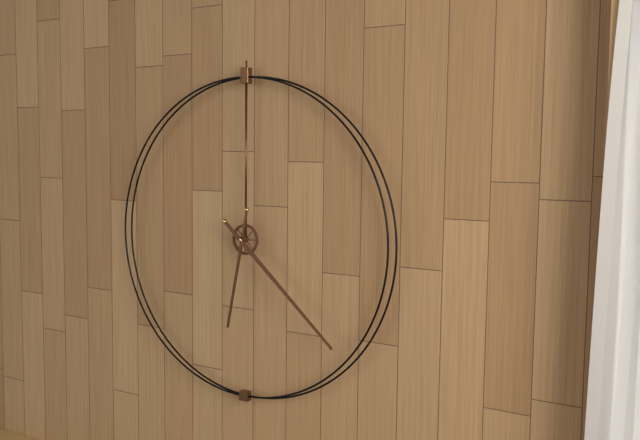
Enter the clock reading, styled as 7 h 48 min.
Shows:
6 h 22 min
